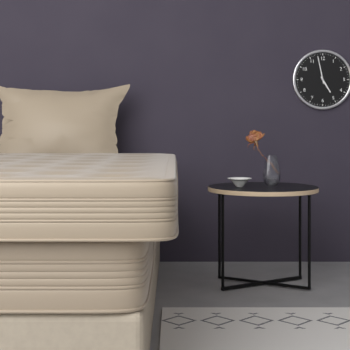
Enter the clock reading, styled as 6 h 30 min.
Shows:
4 h 58 min
